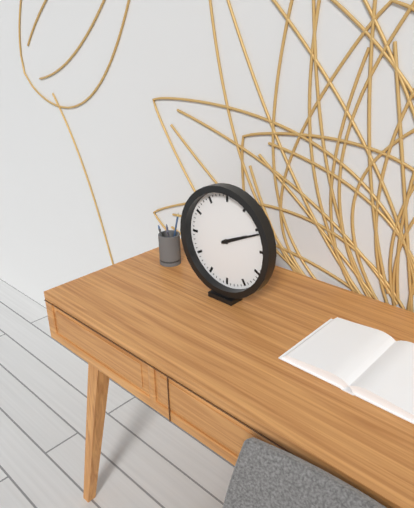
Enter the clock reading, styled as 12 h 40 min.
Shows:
2 h 11 min
